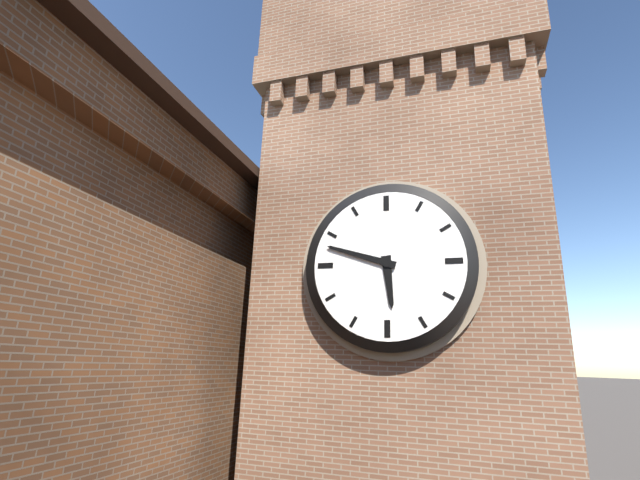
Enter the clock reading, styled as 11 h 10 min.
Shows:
5 h 48 min
